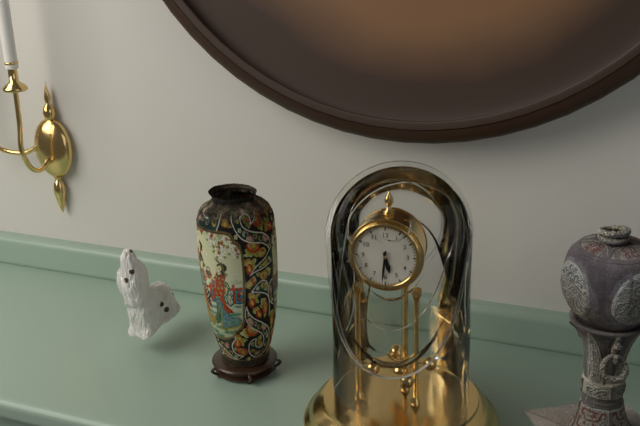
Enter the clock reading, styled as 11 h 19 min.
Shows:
5 h 31 min
